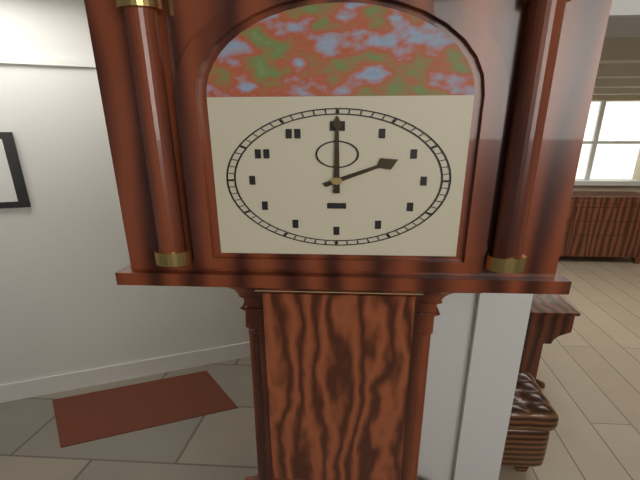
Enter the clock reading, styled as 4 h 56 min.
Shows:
2 h 00 min
